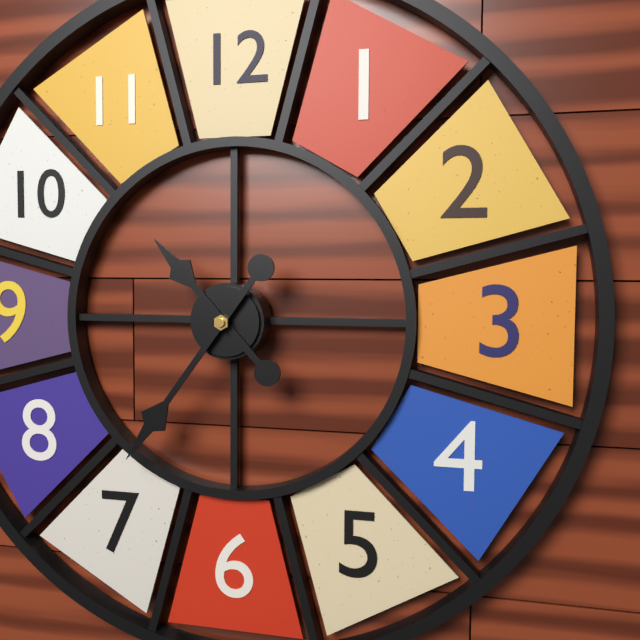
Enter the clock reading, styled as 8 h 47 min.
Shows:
10 h 36 min
